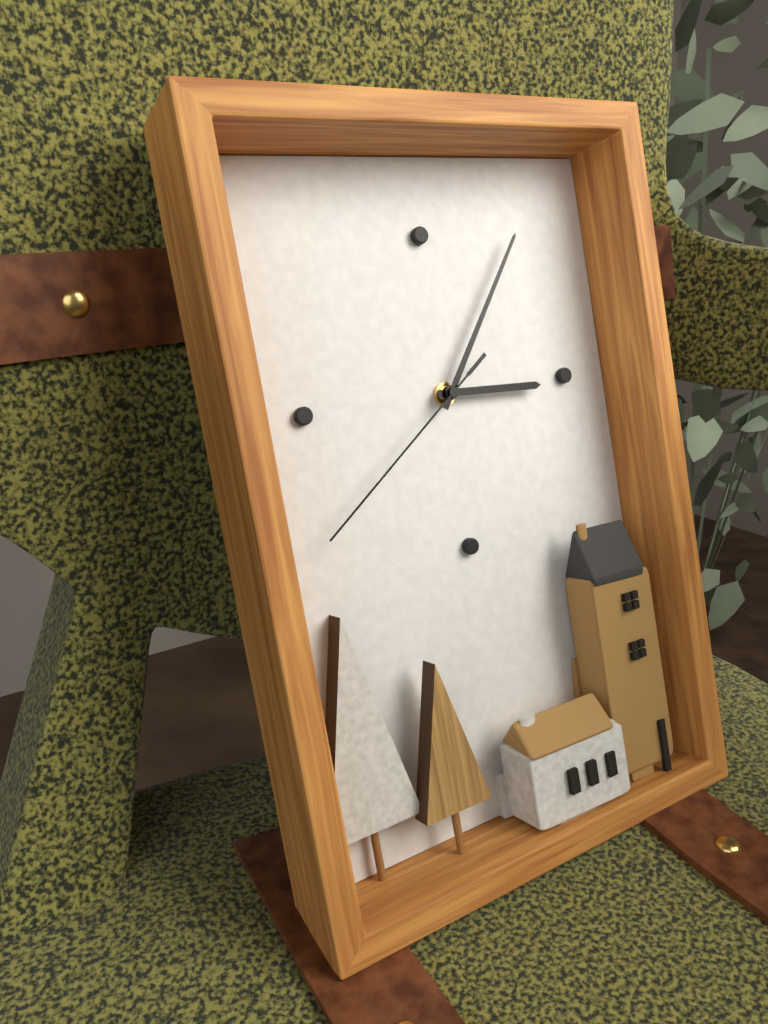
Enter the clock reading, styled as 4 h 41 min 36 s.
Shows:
3 h 06 min 39 s
